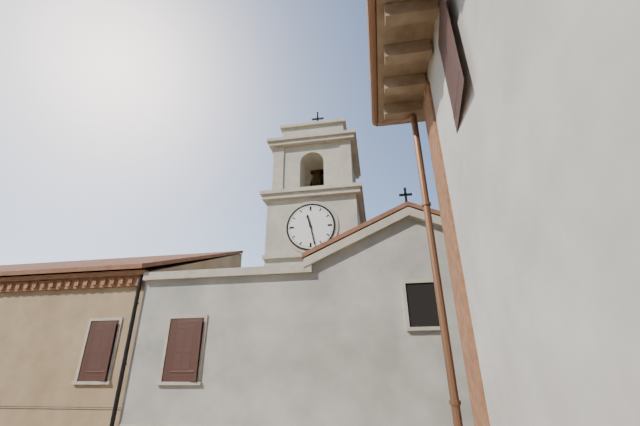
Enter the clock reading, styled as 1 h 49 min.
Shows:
11 h 28 min
